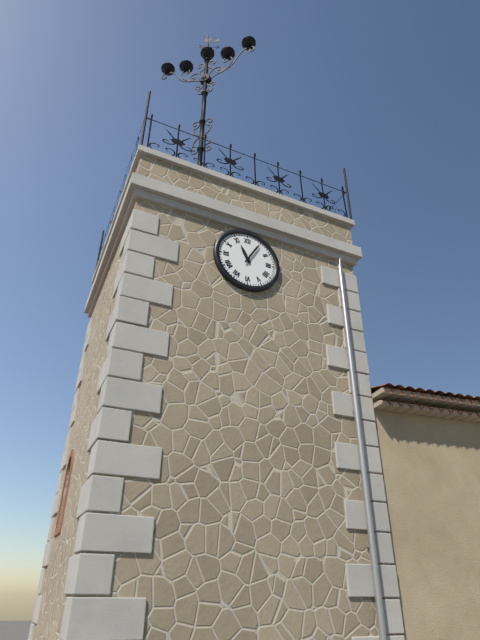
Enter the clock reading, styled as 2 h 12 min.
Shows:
11 h 05 min
